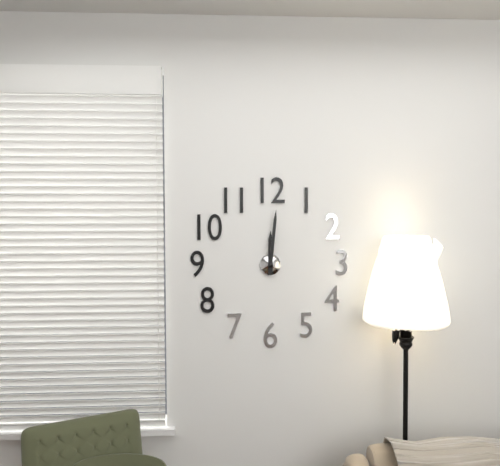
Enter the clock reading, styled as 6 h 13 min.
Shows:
12 h 01 min
